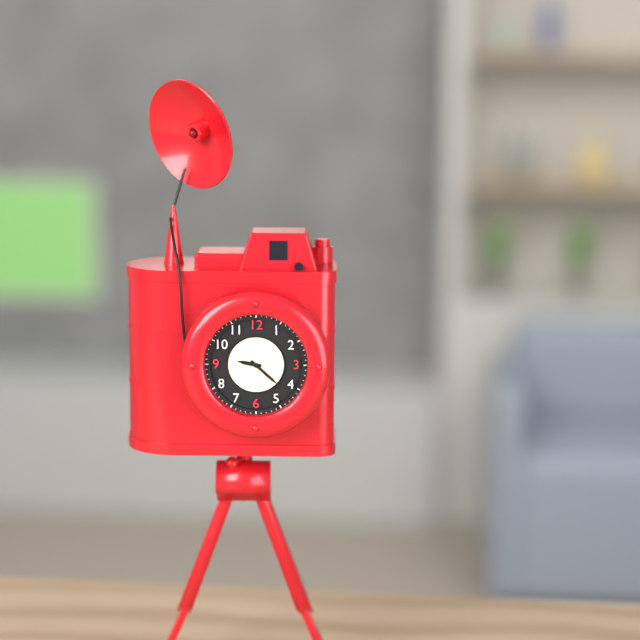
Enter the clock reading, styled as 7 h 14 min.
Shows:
9 h 22 min
